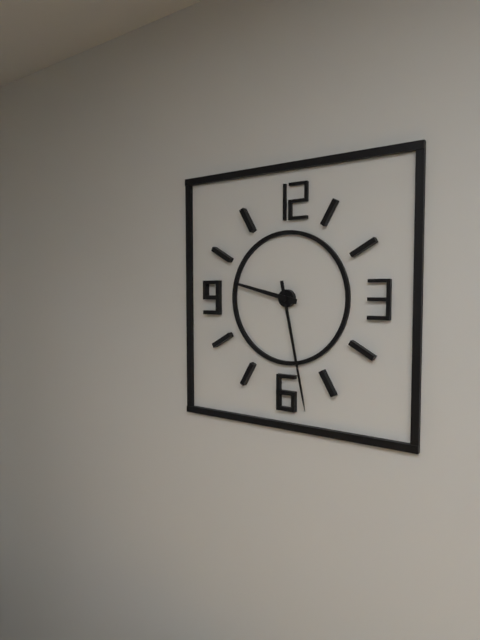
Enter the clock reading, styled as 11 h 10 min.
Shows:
9 h 28 min
